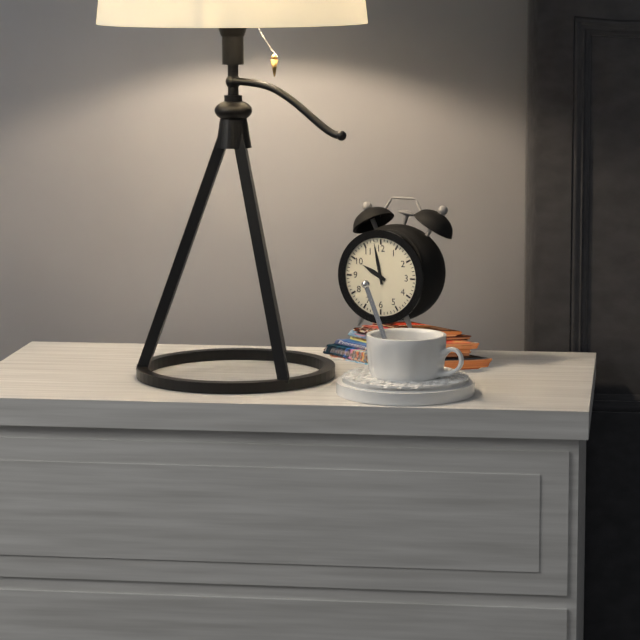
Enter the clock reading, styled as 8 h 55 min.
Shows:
9 h 58 min
